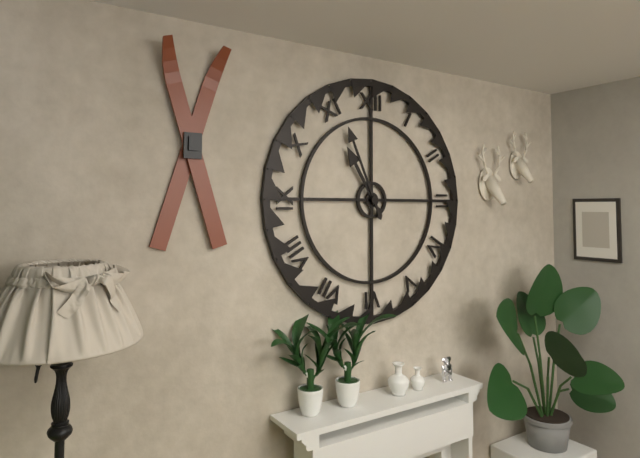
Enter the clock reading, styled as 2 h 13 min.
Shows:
10 h 56 min
